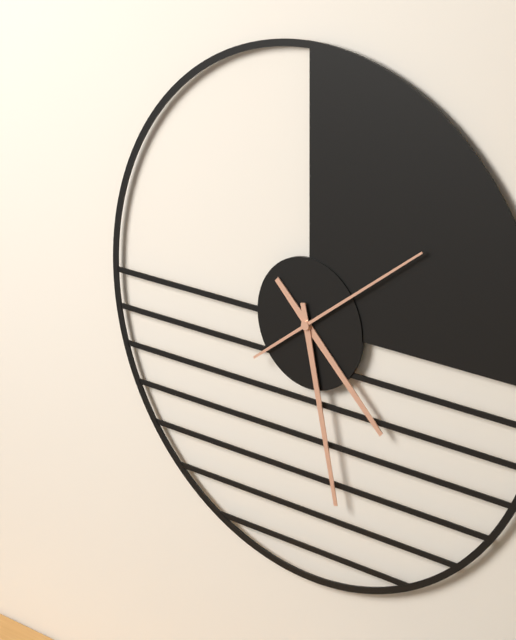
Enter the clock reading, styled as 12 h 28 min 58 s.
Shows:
4 h 28 min 09 s
